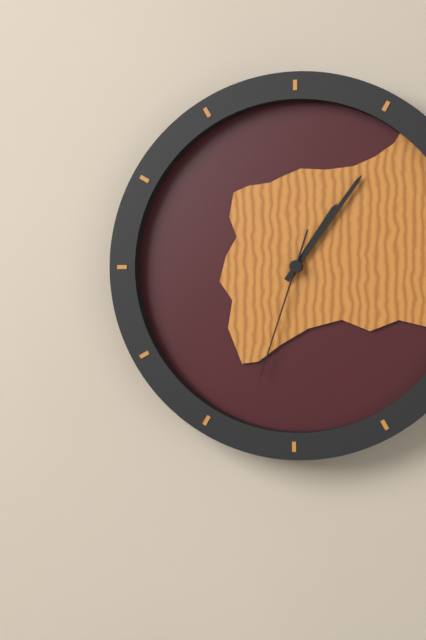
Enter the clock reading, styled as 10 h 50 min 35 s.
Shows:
1 h 06 min 33 s
